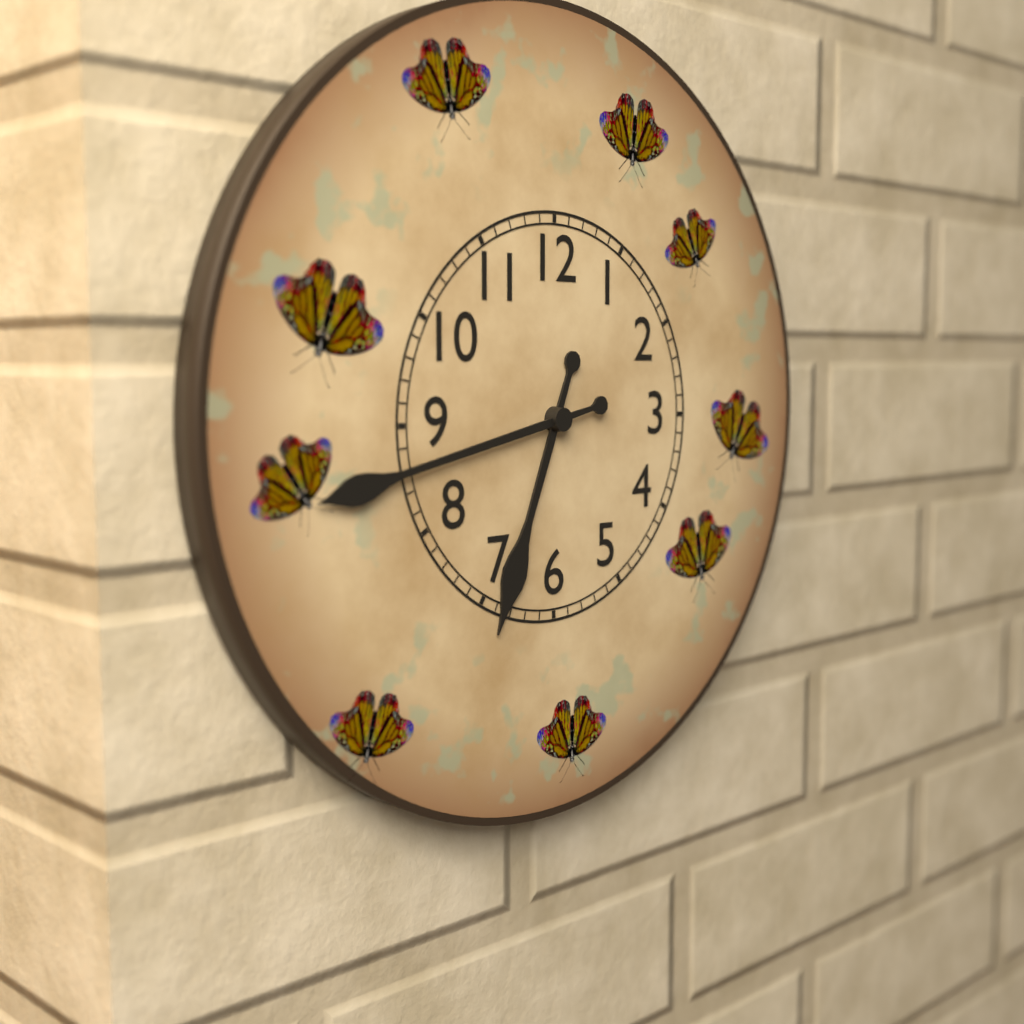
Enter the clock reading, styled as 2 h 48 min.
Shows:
6 h 43 min
